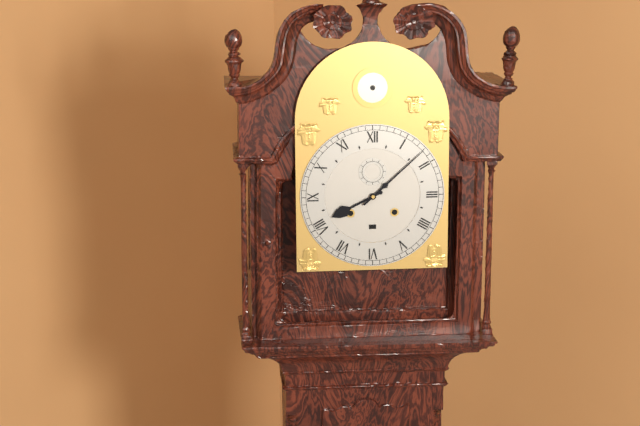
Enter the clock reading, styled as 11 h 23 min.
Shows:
8 h 08 min
